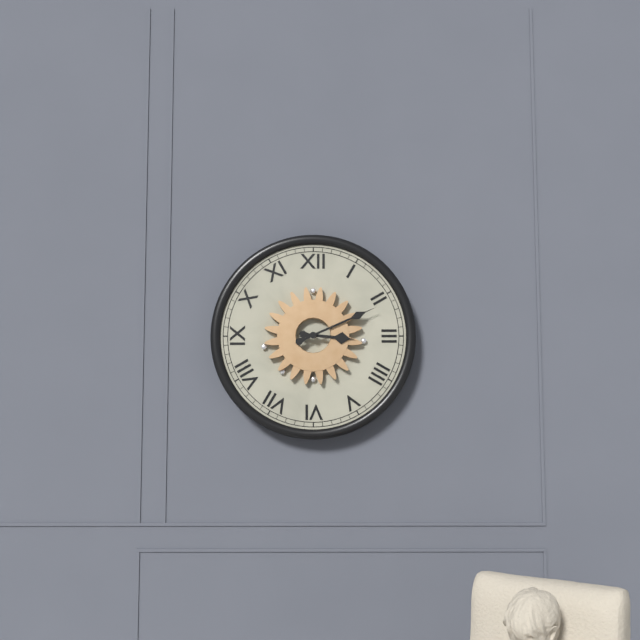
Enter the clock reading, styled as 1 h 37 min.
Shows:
3 h 11 min
